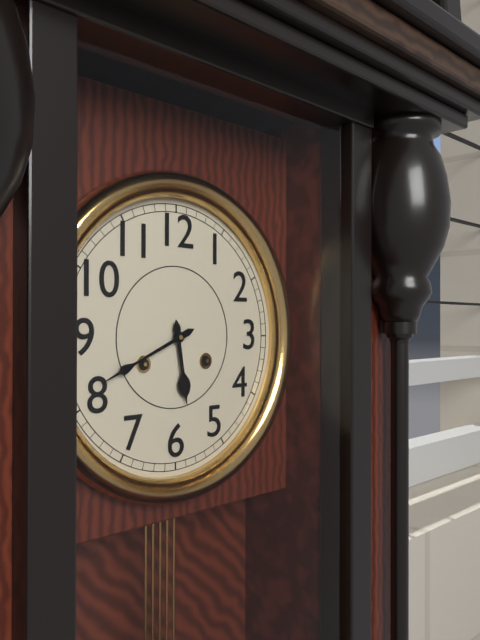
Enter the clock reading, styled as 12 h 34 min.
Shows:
5 h 41 min
